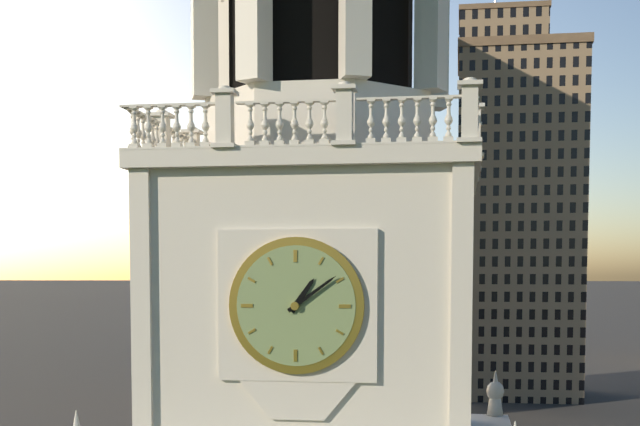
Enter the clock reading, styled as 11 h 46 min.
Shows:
1 h 09 min
